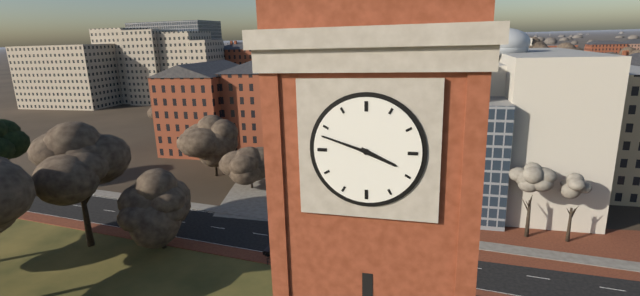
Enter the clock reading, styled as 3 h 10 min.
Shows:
3 h 48 min
